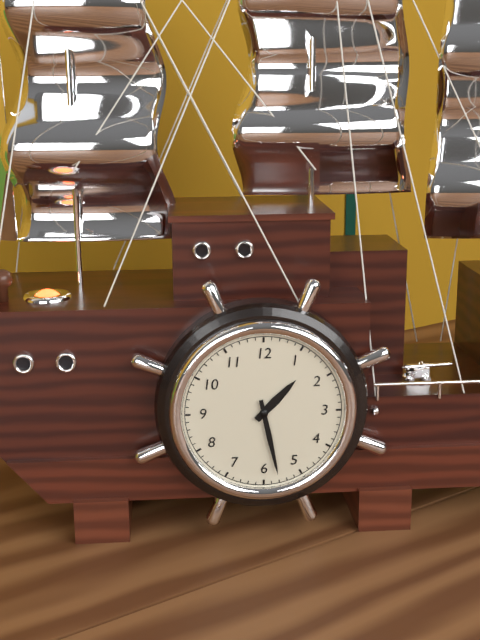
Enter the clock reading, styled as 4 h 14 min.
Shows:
1 h 28 min
